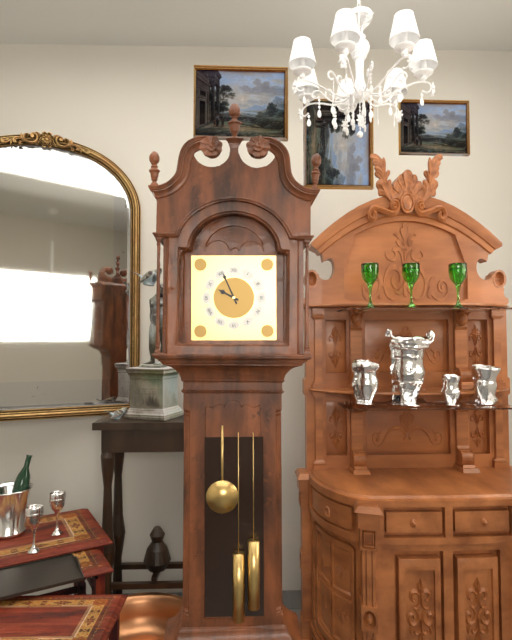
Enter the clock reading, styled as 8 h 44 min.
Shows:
9 h 56 min
